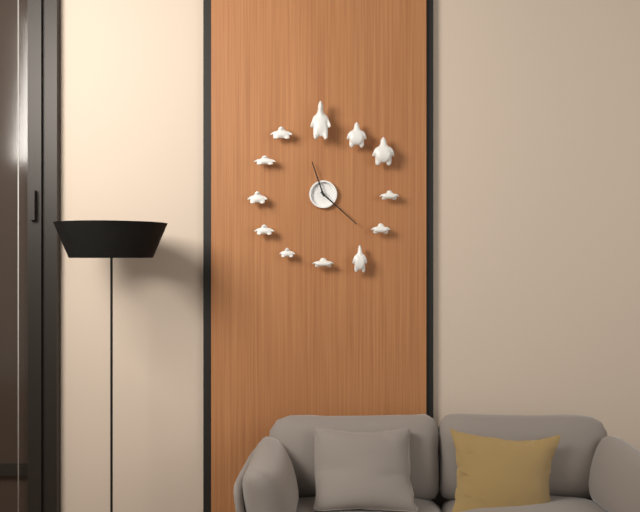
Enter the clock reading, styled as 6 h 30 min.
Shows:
11 h 22 min
